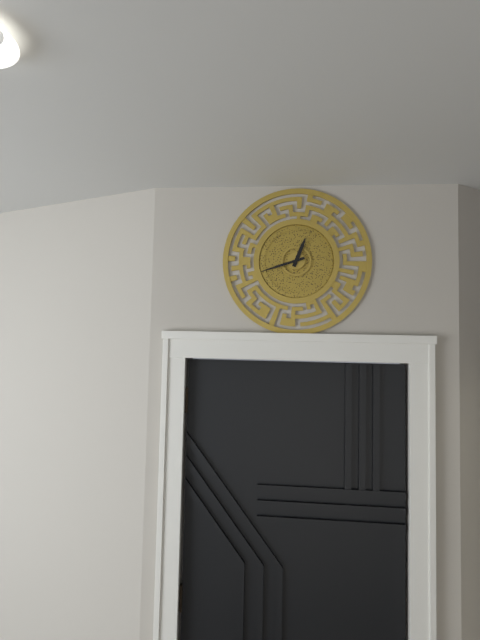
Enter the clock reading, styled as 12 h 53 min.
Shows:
12 h 42 min
